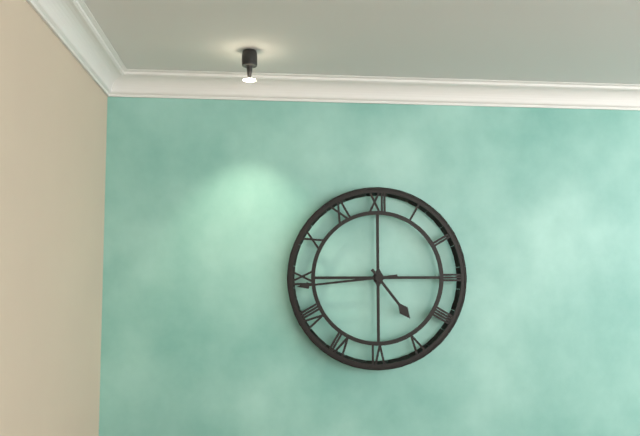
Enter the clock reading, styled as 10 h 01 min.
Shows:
4 h 44 min
